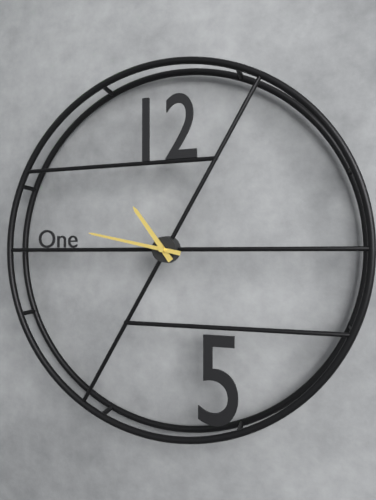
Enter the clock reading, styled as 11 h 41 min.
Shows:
10 h 47 min
